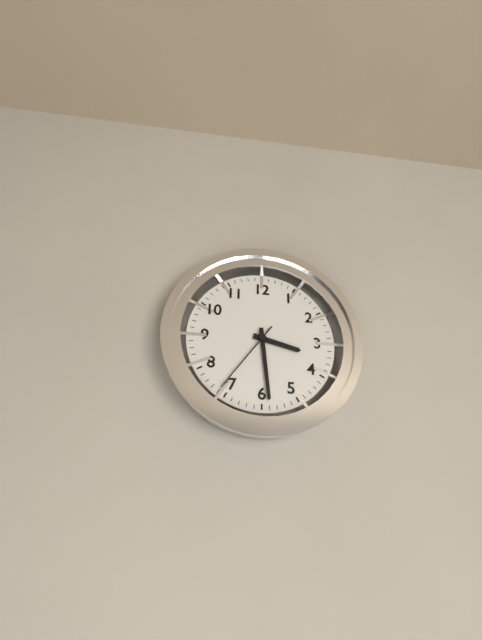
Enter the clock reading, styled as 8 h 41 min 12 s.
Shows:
3 h 29 min 36 s
